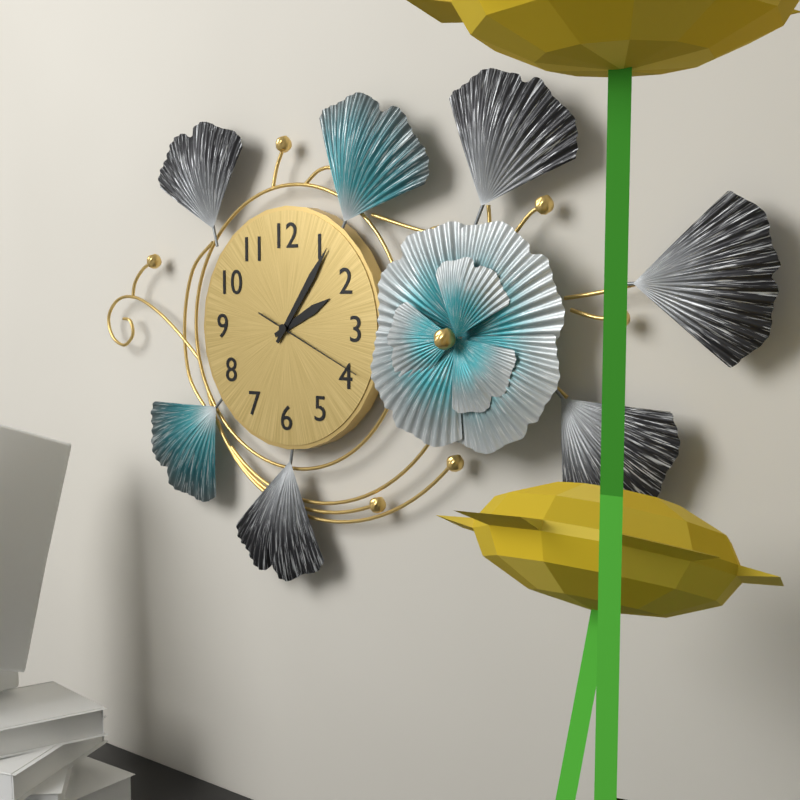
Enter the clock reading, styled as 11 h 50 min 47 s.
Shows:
2 h 06 min 19 s
